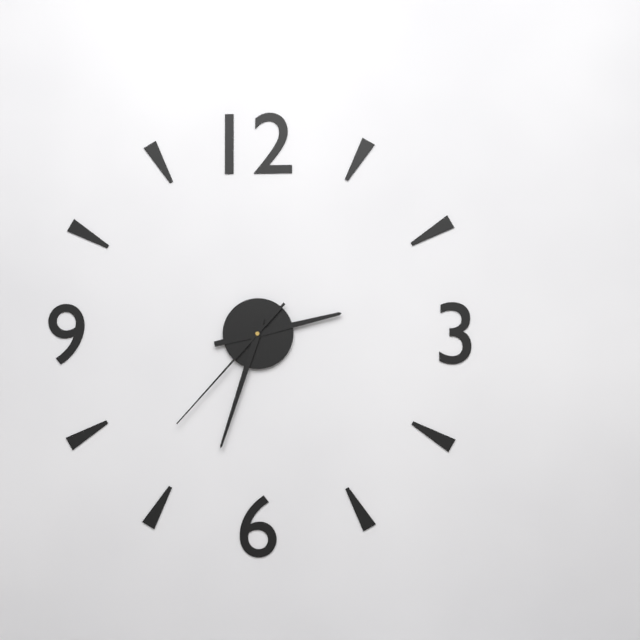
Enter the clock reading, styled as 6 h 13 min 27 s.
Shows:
2 h 33 min 37 s
